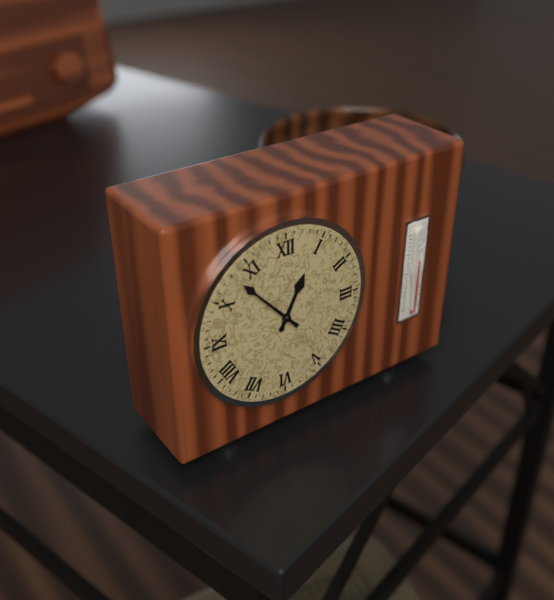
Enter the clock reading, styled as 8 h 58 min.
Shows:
12 h 53 min
